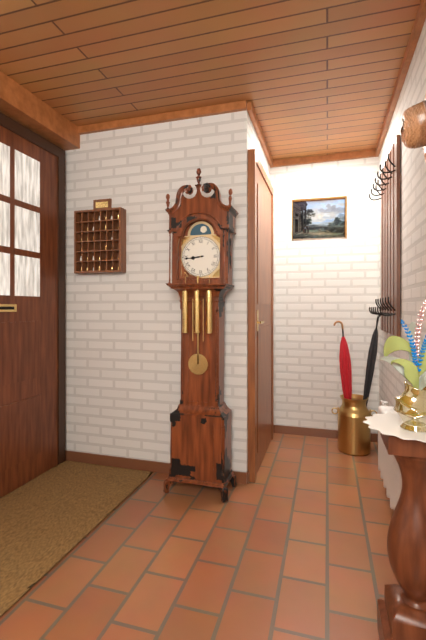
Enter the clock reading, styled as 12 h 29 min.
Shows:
8 h 44 min
